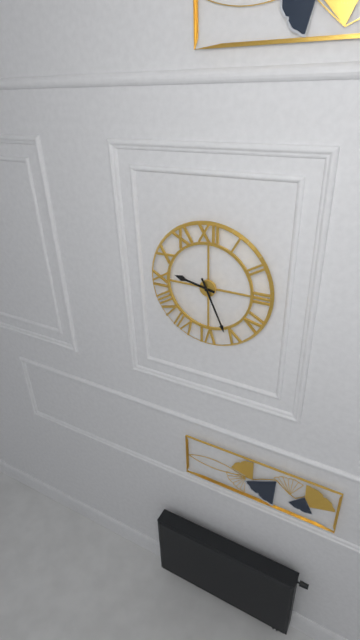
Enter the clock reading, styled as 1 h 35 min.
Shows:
9 h 26 min
